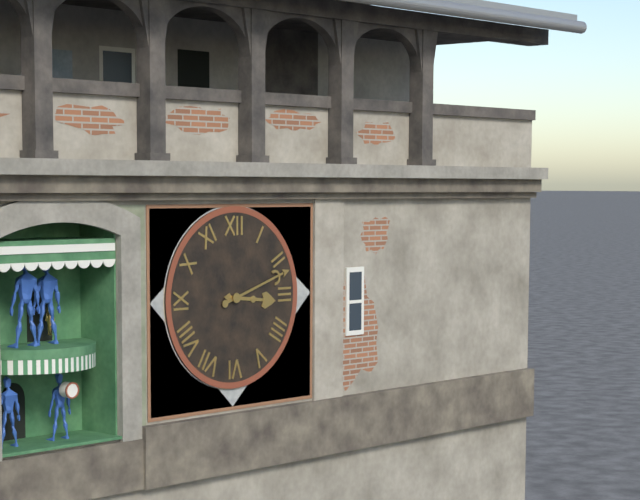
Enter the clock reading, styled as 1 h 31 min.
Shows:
3 h 12 min
